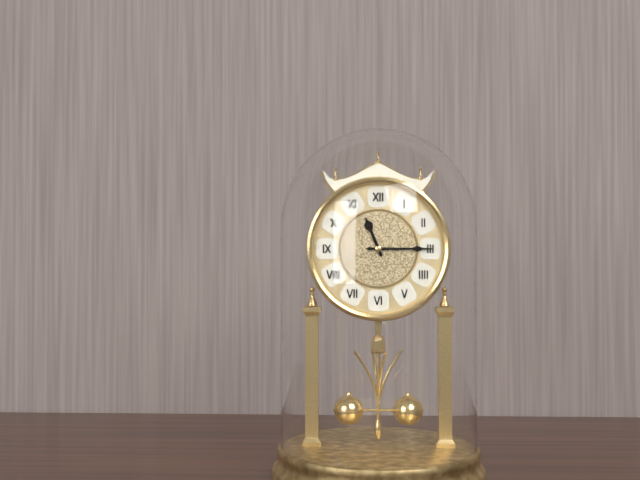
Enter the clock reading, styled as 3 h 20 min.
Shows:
11 h 15 min
